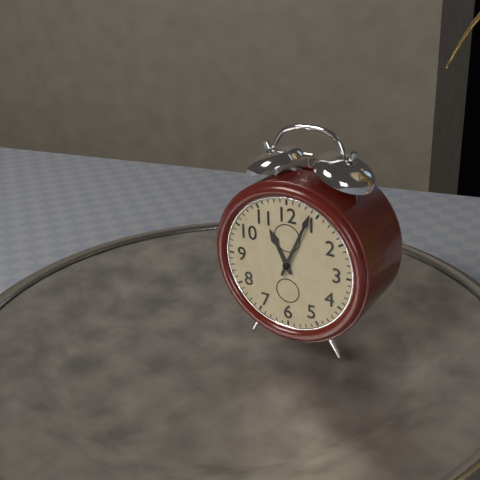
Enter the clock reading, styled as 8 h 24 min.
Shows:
11 h 04 min
